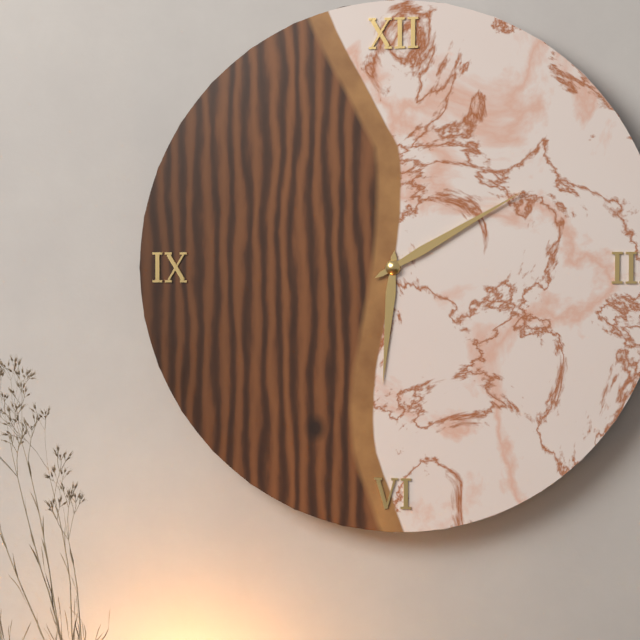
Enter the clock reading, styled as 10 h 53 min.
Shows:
6 h 10 min
